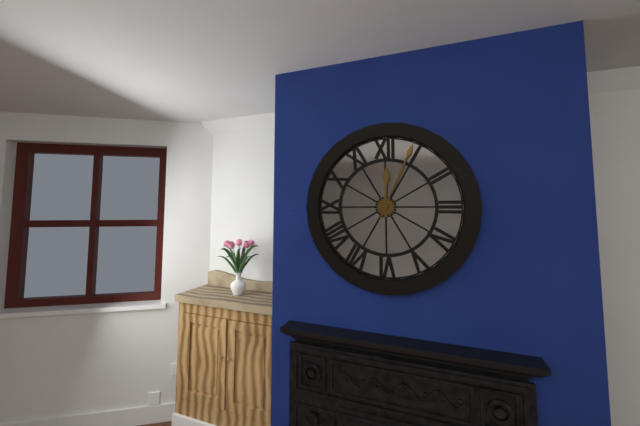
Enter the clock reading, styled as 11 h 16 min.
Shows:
12 h 04 min
